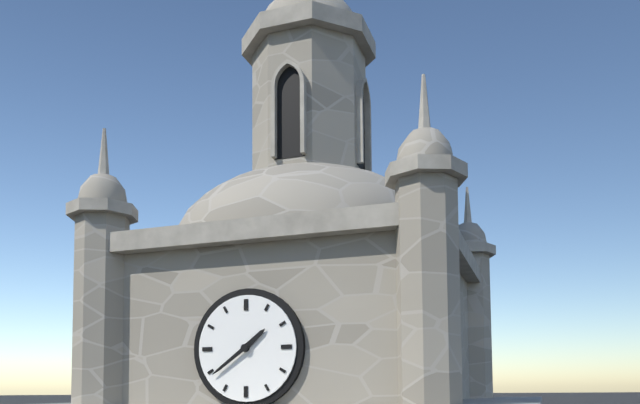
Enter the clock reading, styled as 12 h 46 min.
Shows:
1 h 39 min
